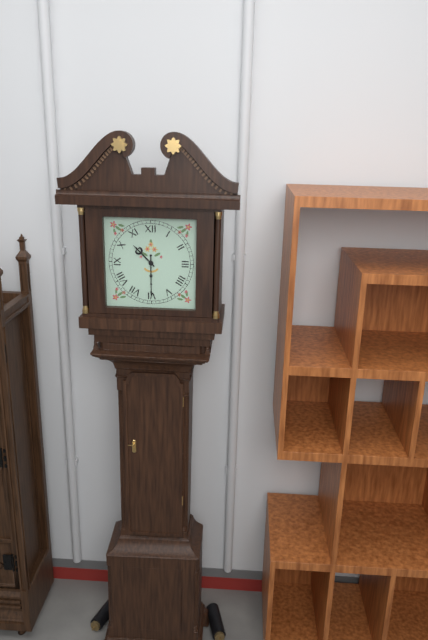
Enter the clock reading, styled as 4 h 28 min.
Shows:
10 h 30 min
